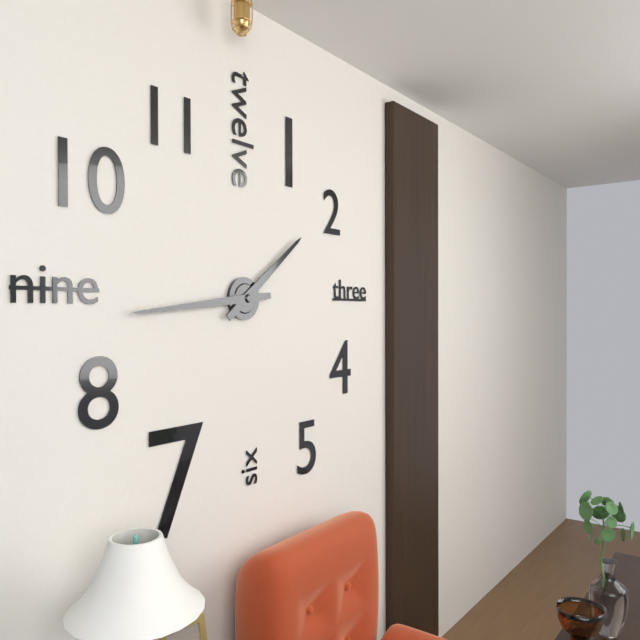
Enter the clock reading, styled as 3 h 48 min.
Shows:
1 h 44 min
